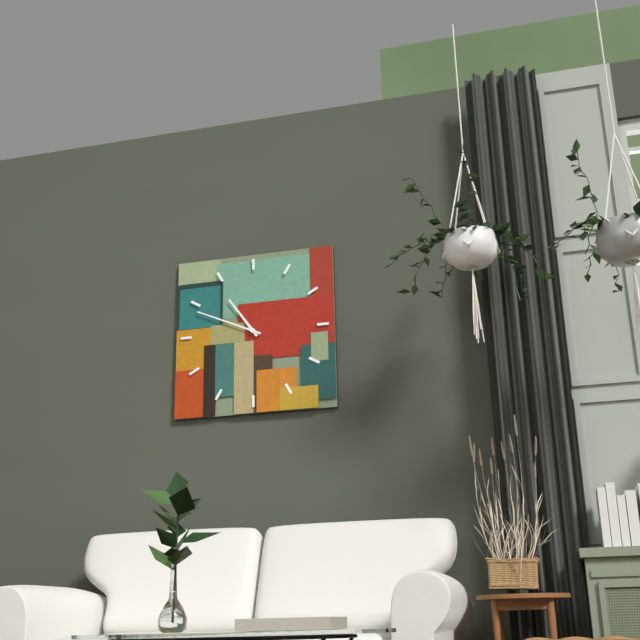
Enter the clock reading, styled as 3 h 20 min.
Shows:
10 h 49 min
